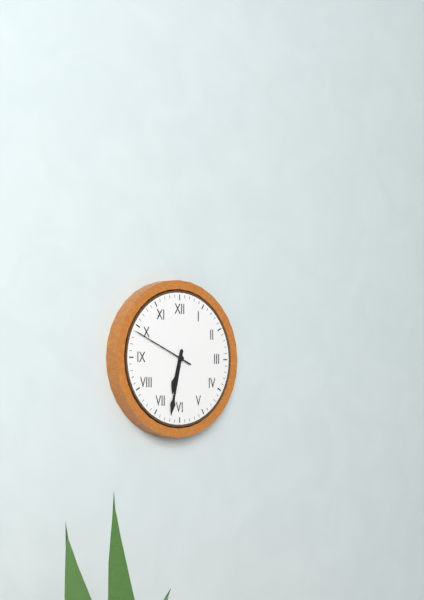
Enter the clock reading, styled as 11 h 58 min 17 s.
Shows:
6 h 32 min 49 s
